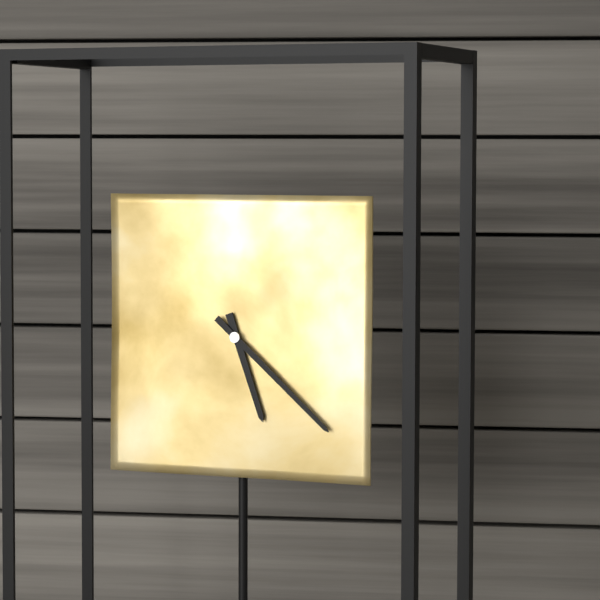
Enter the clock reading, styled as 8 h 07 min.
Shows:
5 h 22 min
